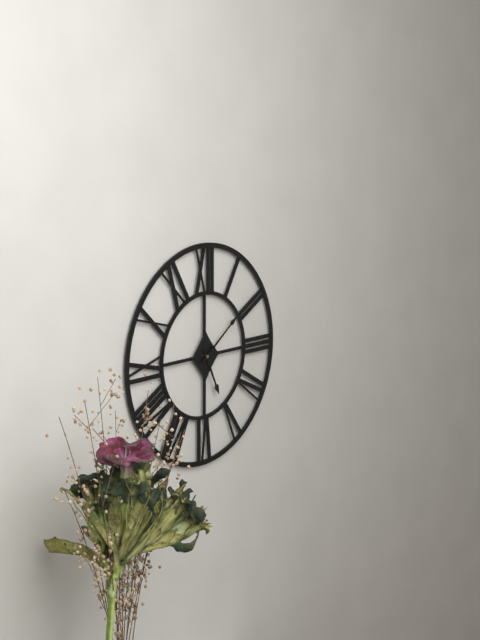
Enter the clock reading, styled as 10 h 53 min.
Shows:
5 h 09 min
